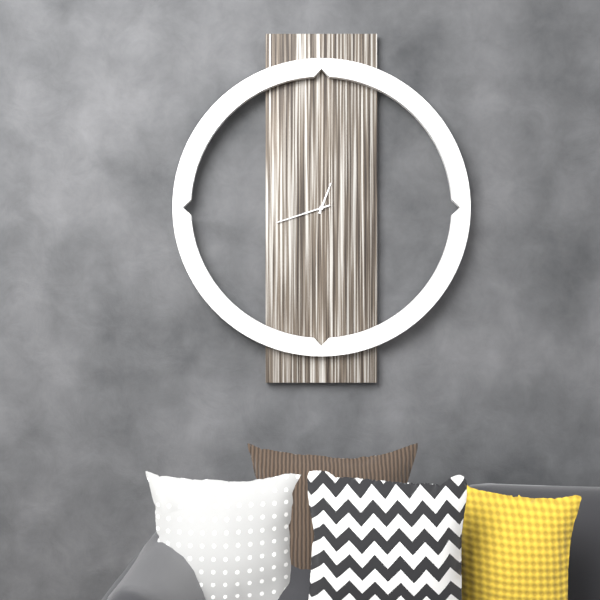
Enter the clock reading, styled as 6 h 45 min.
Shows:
12 h 42 min
